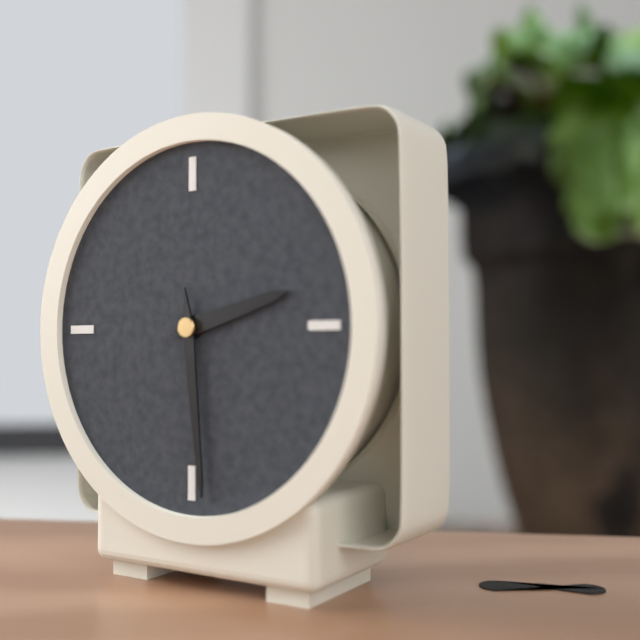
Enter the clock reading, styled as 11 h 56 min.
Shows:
2 h 29 min
